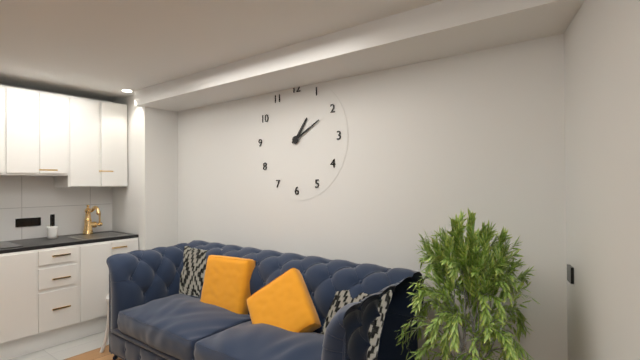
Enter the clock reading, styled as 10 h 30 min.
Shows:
1 h 10 min
